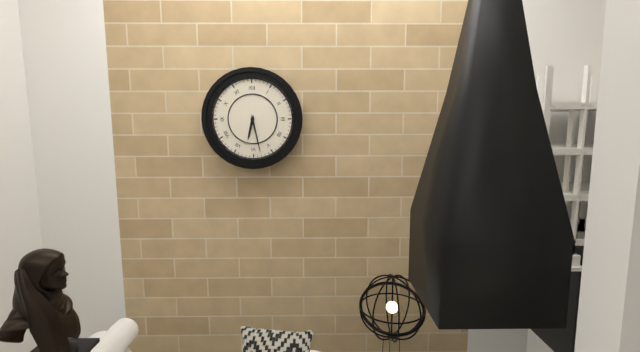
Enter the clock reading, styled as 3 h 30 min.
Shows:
6 h 28 min
